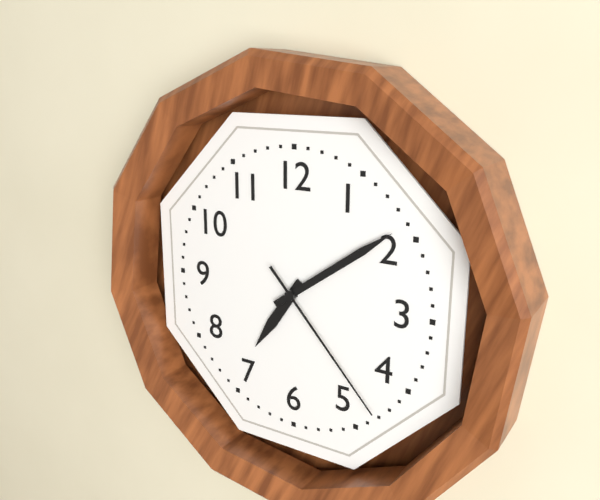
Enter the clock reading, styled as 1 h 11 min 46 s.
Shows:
7 h 09 min 23 s
